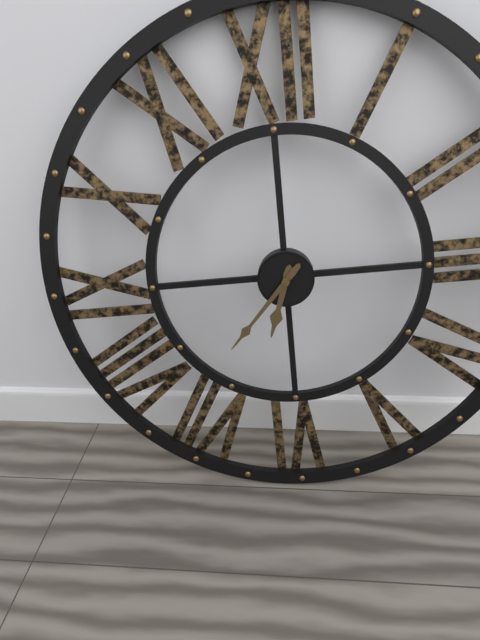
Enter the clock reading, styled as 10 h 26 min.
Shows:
6 h 37 min
